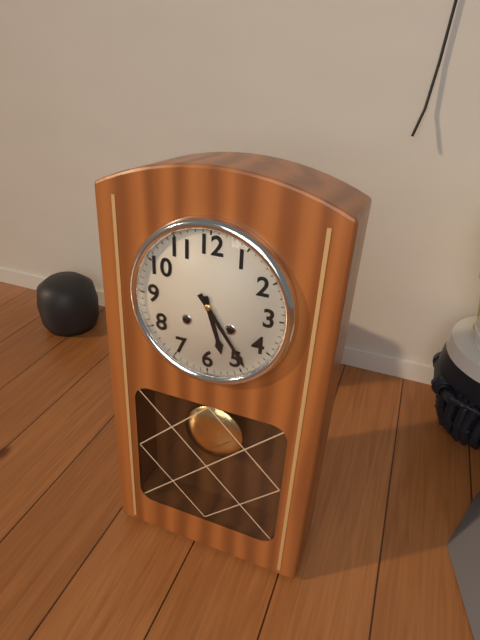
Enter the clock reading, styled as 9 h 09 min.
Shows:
5 h 24 min
